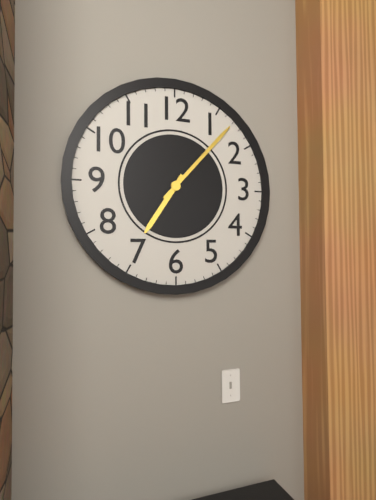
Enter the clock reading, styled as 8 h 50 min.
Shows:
7 h 07 min
